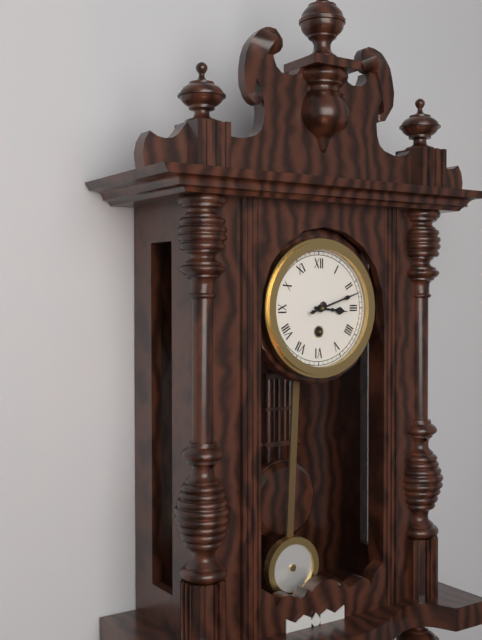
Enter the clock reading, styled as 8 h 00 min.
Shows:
3 h 12 min
